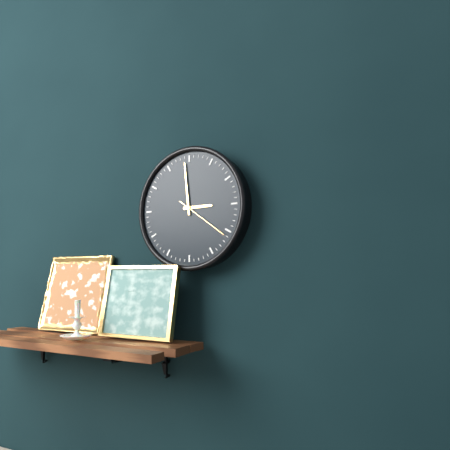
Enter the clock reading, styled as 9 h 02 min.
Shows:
2 h 59 min
